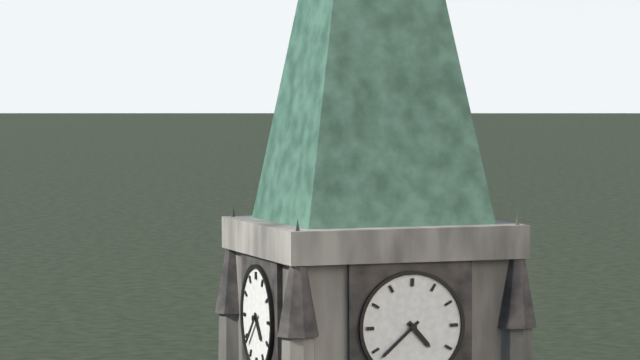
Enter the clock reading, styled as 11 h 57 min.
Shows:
4 h 38 min
